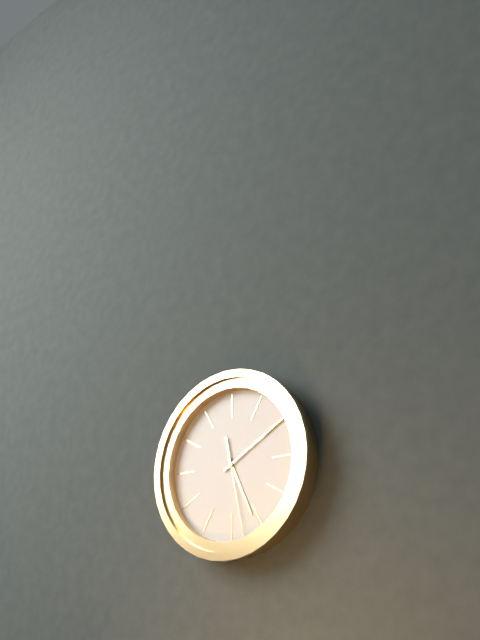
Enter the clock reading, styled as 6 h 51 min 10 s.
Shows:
5 h 10 min 28 s
